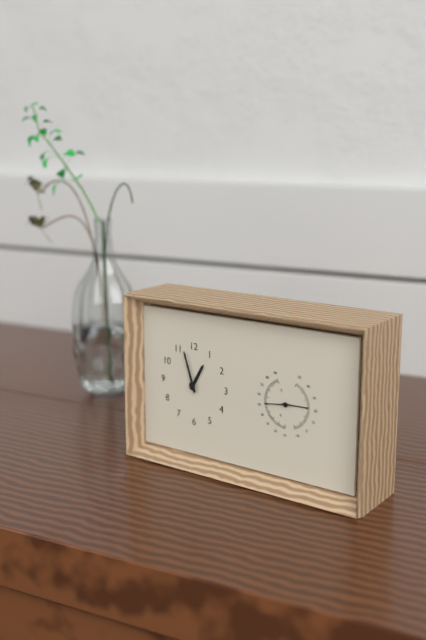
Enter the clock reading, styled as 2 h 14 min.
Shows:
12 h 57 min
